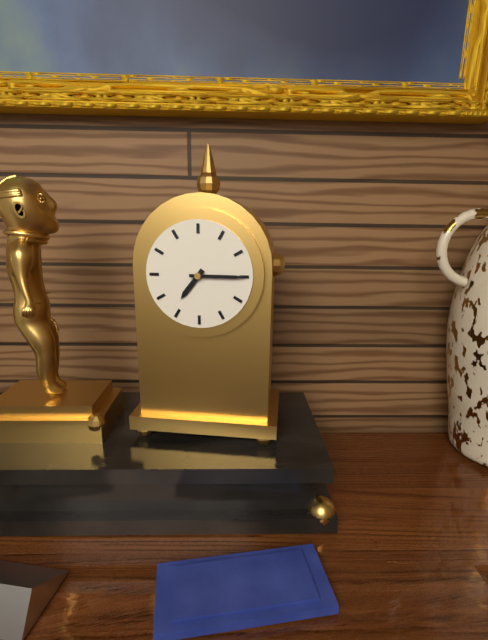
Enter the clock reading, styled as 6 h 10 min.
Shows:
7 h 15 min
